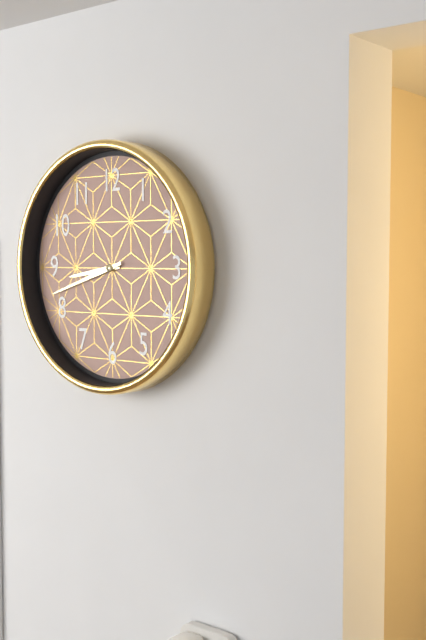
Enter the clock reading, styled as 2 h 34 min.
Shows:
8 h 42 min
